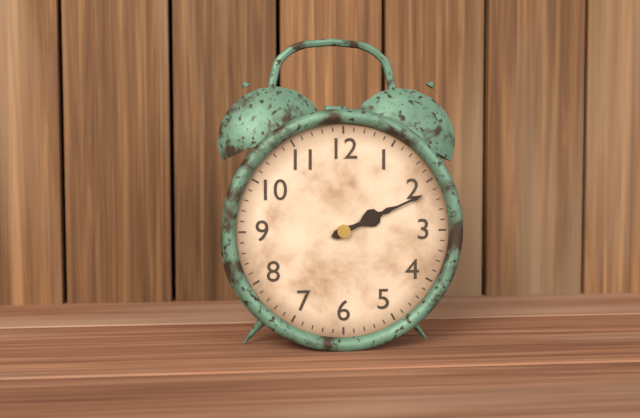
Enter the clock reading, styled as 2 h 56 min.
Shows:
2 h 11 min
